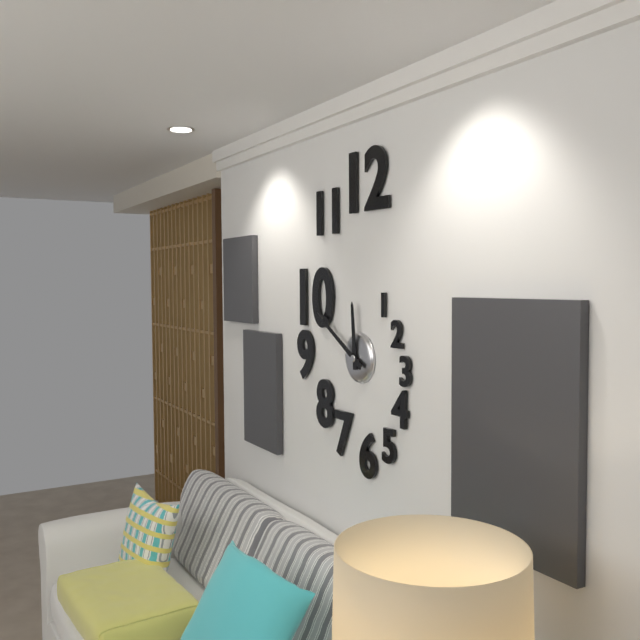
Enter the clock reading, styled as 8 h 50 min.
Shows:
11 h 50 min
